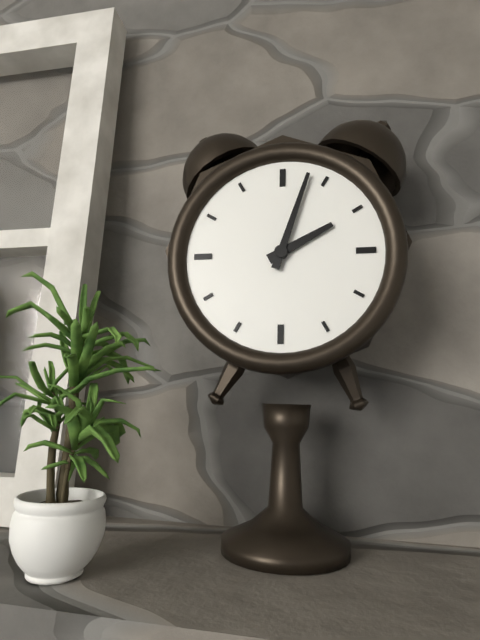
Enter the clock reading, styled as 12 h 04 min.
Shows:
2 h 03 min
